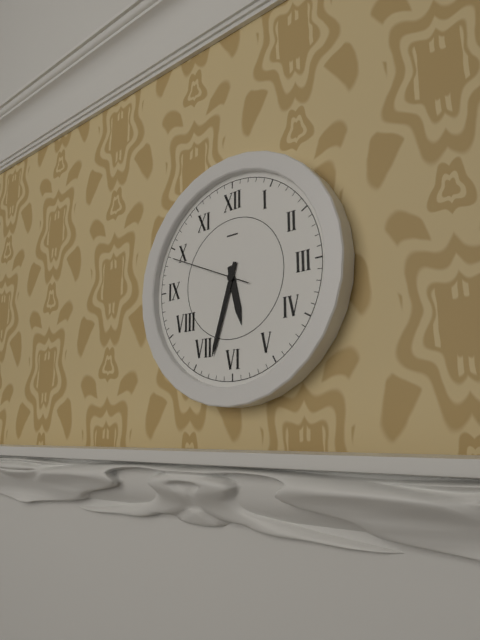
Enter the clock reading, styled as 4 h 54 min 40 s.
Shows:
5 h 33 min 49 s
